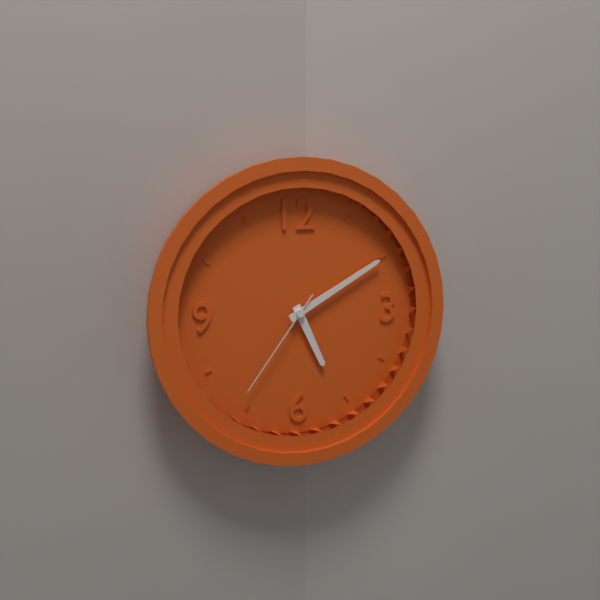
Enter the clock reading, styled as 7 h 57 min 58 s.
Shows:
5 h 10 min 36 s
